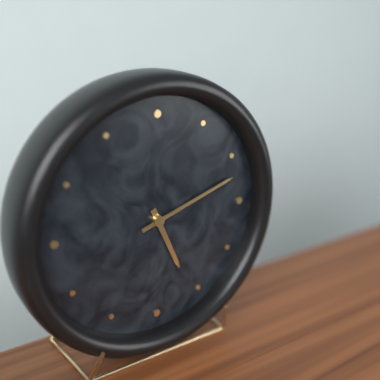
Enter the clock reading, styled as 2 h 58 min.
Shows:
5 h 12 min
